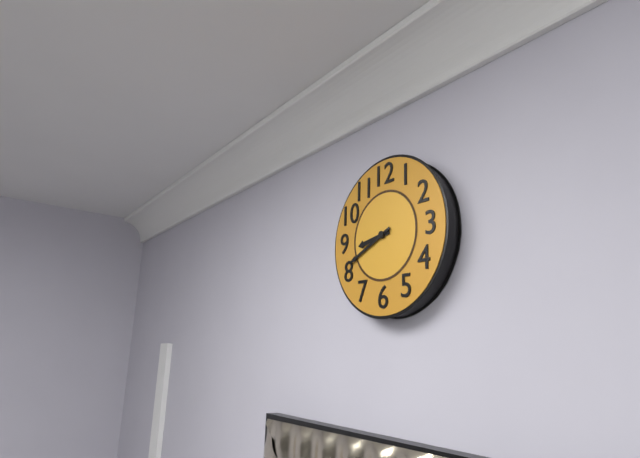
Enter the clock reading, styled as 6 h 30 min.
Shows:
8 h 41 min
